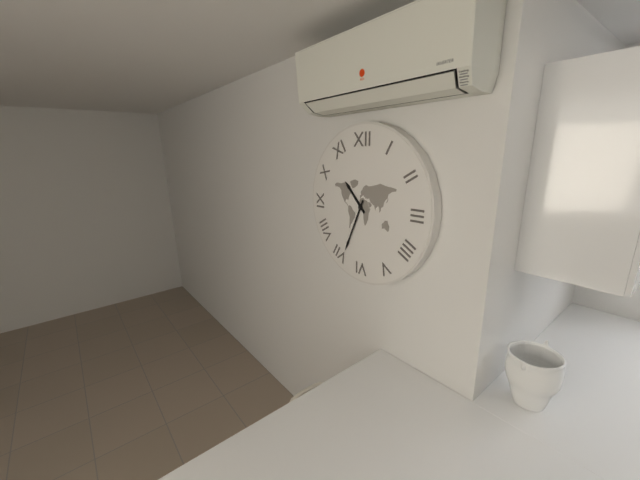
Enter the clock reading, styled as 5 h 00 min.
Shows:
10 h 34 min
